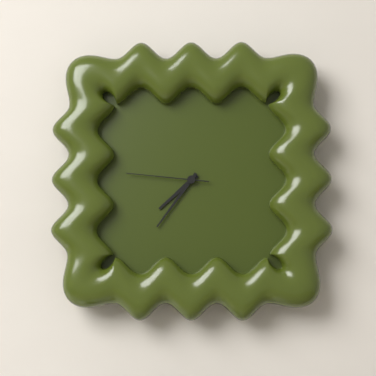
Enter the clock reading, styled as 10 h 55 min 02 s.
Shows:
7 h 36 min 46 s
